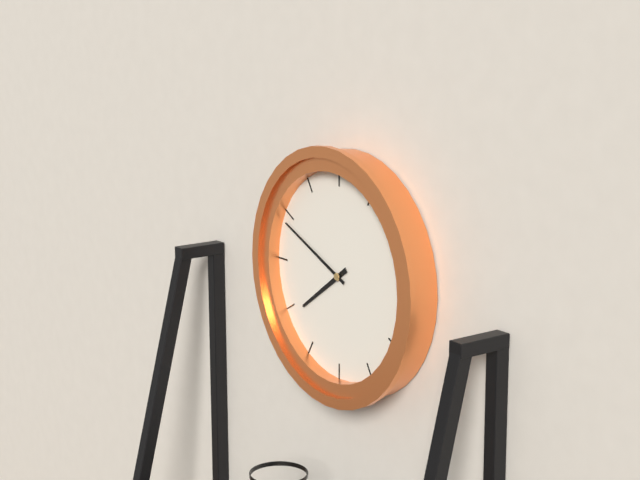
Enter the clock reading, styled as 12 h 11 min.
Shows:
7 h 49 min
